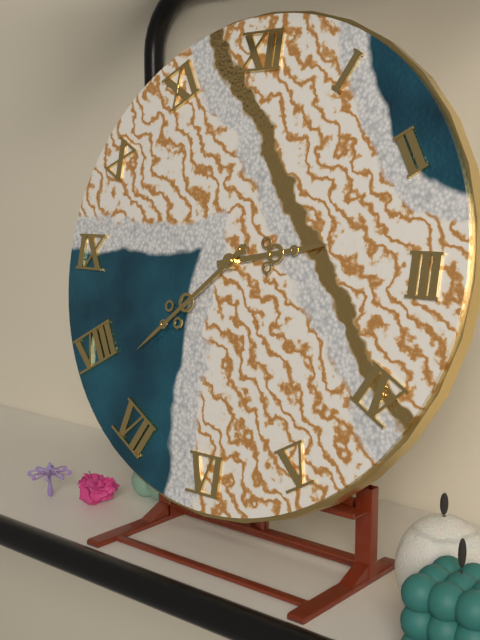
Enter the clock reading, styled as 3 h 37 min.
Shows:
2 h 38 min
